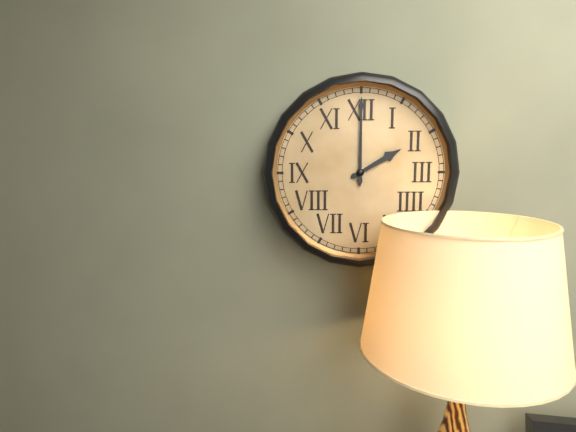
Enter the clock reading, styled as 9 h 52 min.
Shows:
2 h 00 min
